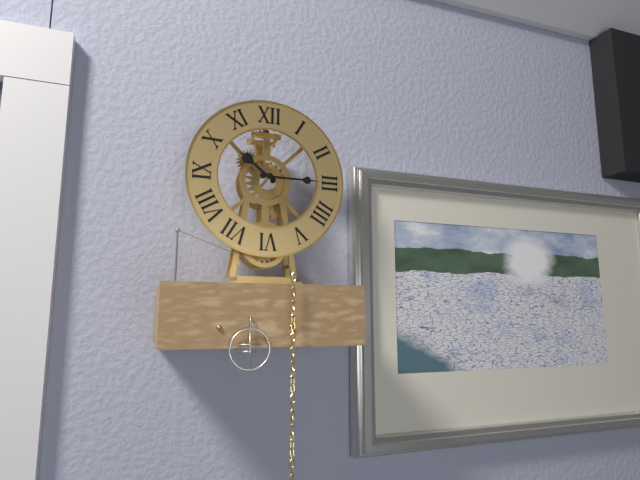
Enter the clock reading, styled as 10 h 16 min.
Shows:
10 h 15 min
